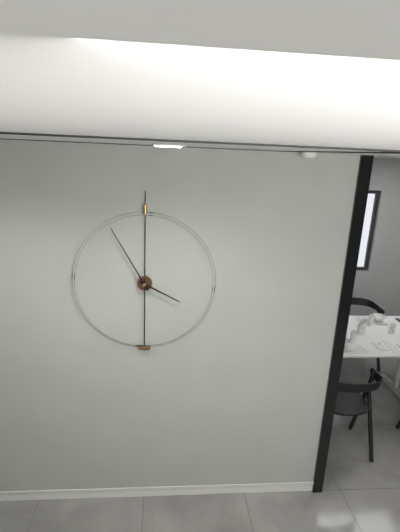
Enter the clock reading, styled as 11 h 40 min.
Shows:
3 h 55 min
